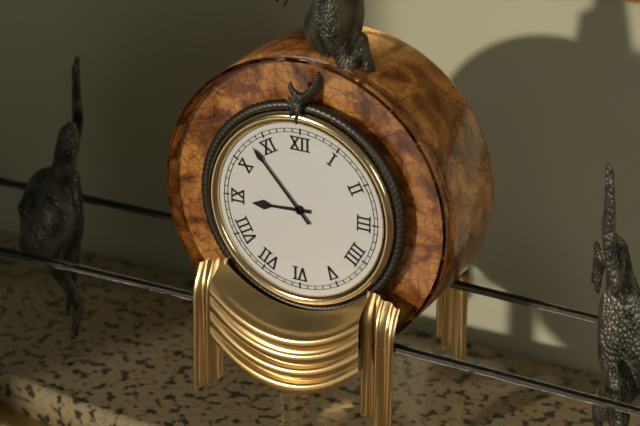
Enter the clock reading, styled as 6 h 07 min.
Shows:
8 h 53 min
